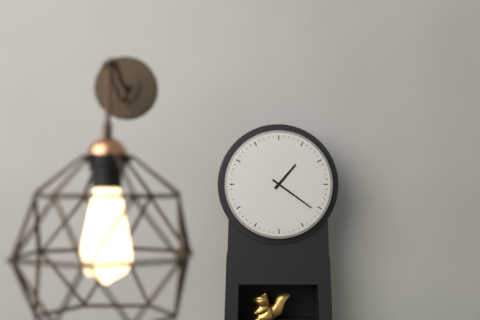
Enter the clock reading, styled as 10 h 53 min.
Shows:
1 h 21 min
